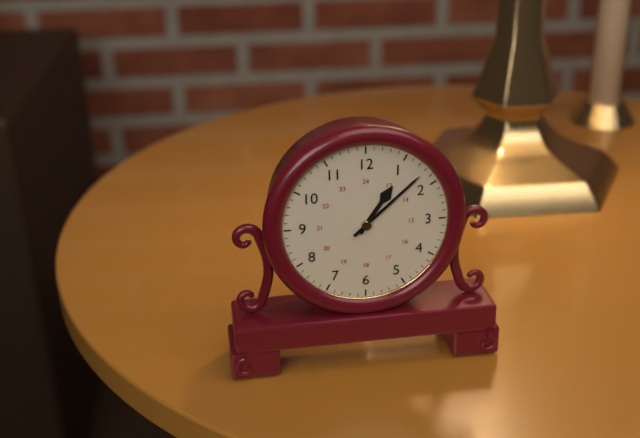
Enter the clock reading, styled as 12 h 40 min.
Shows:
1 h 08 min
